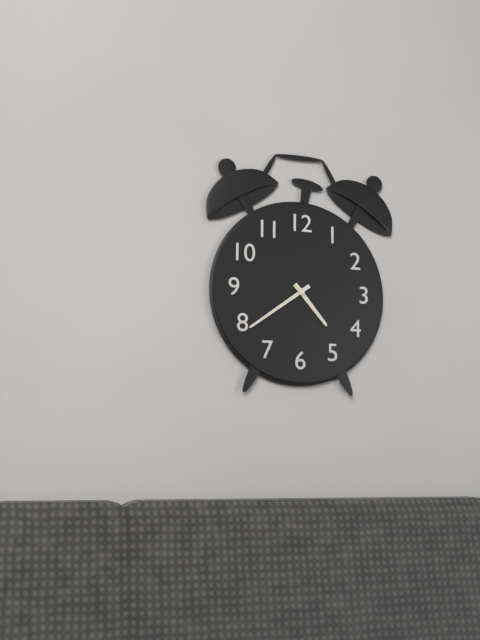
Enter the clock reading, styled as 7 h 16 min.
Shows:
4 h 39 min
